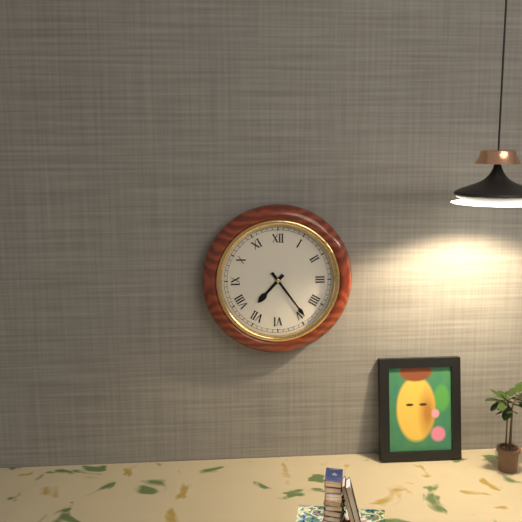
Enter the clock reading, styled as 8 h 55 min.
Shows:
7 h 24 min
